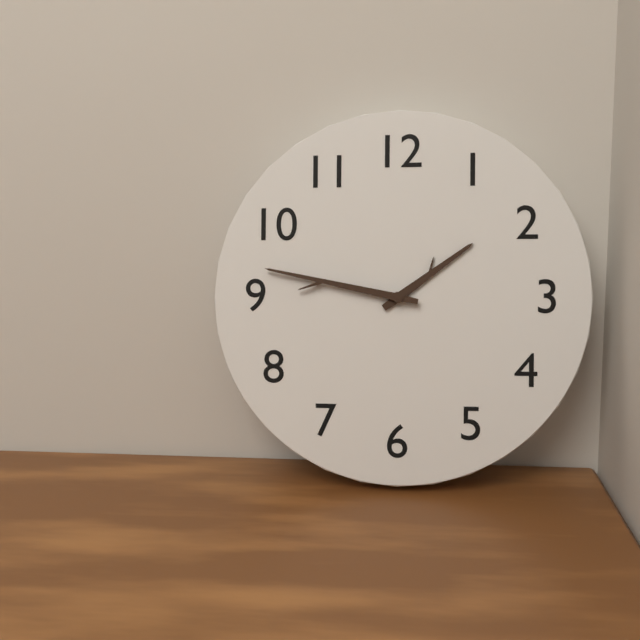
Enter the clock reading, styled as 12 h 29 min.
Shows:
1 h 47 min
